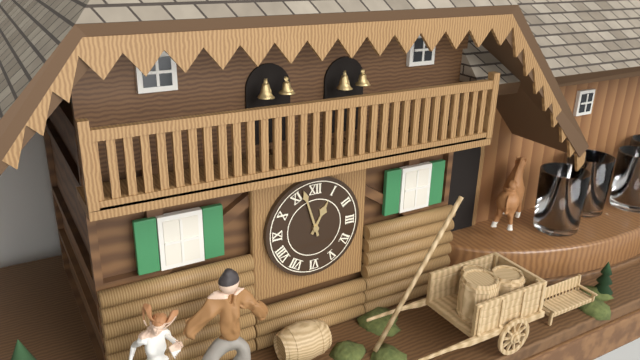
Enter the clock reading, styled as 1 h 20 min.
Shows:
12 h 57 min
